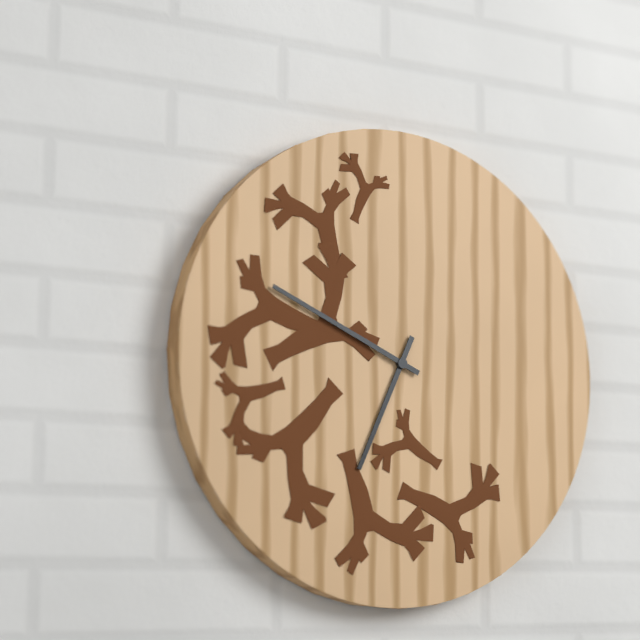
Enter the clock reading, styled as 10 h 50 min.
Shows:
6 h 49 min
